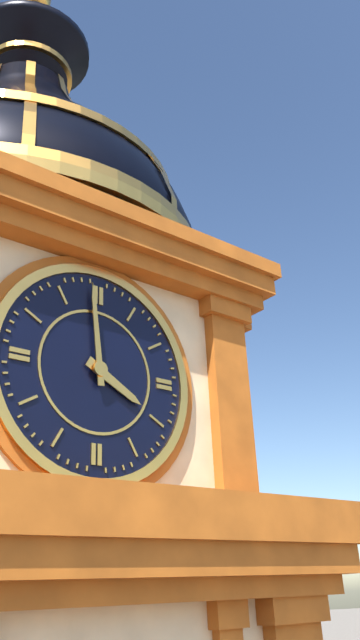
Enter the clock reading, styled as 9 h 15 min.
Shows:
3 h 59 min
